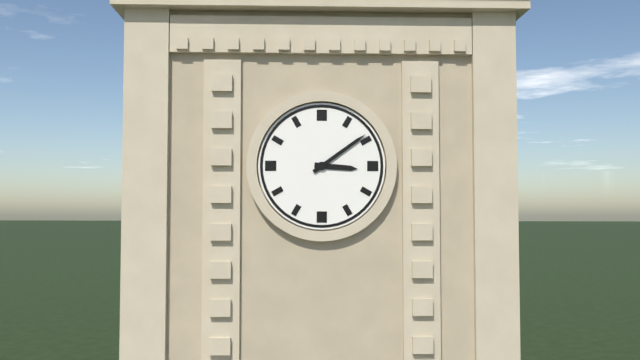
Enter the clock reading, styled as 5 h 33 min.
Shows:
3 h 09 min
